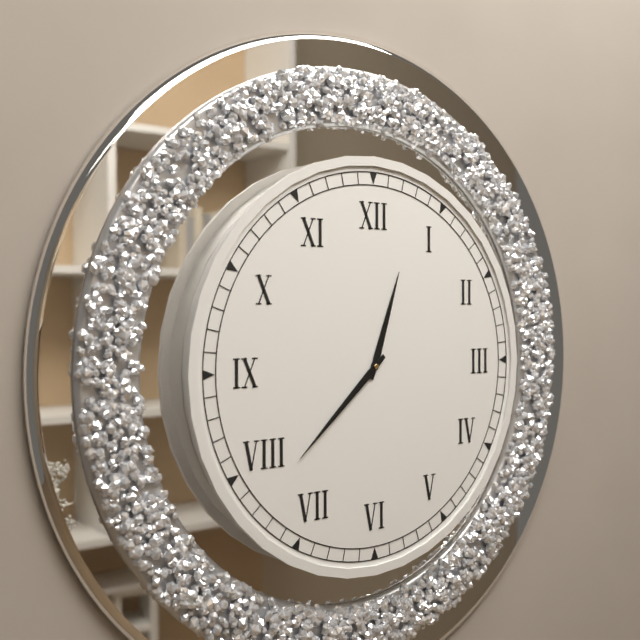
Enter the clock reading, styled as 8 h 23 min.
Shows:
12 h 38 min
